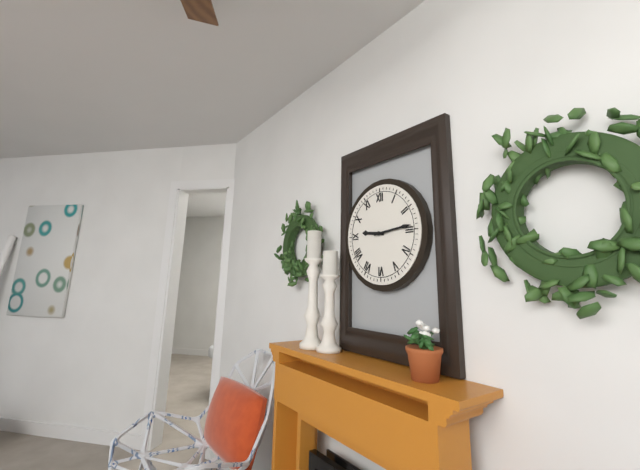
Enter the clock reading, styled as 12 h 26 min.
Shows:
9 h 14 min
